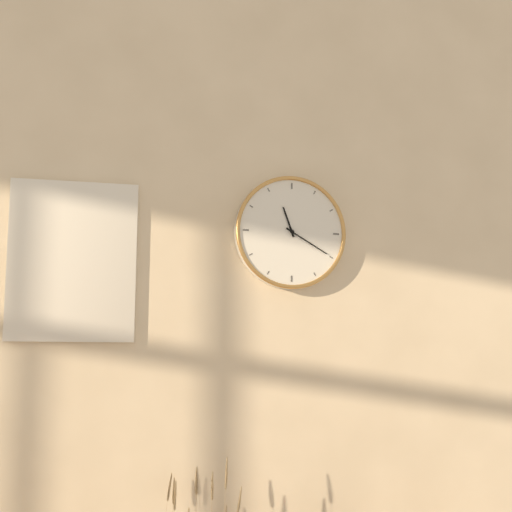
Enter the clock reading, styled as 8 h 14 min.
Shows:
11 h 20 min
